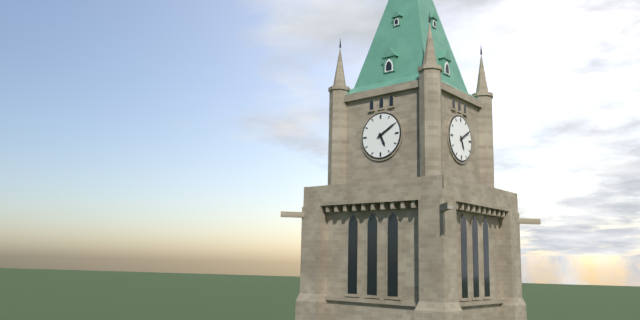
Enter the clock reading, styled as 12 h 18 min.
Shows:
5 h 10 min
